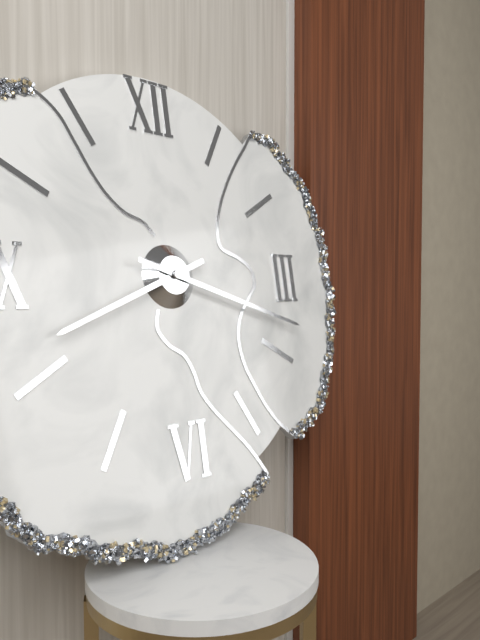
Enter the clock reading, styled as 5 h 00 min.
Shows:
8 h 18 min
